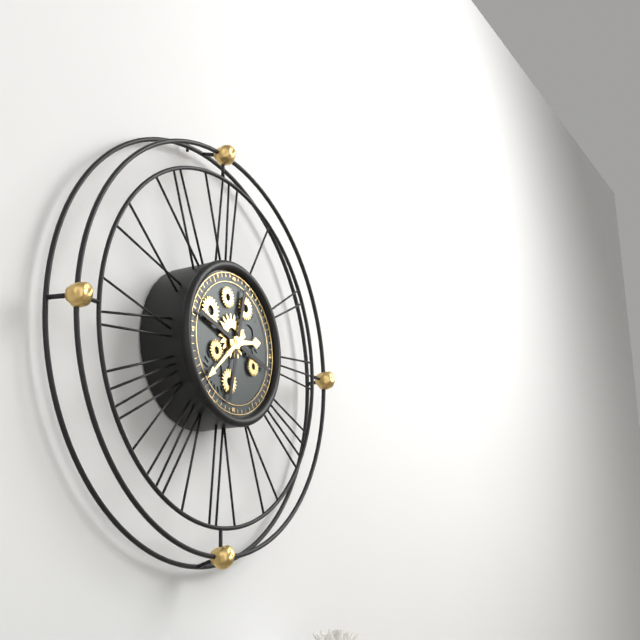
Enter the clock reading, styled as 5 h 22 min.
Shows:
2 h 38 min
